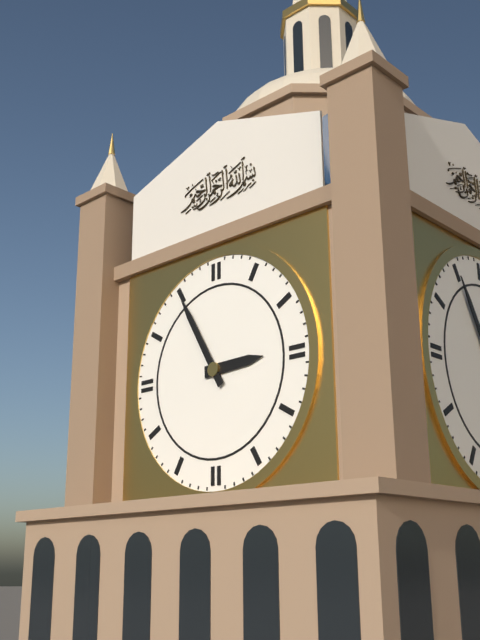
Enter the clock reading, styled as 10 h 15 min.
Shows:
2 h 55 min
